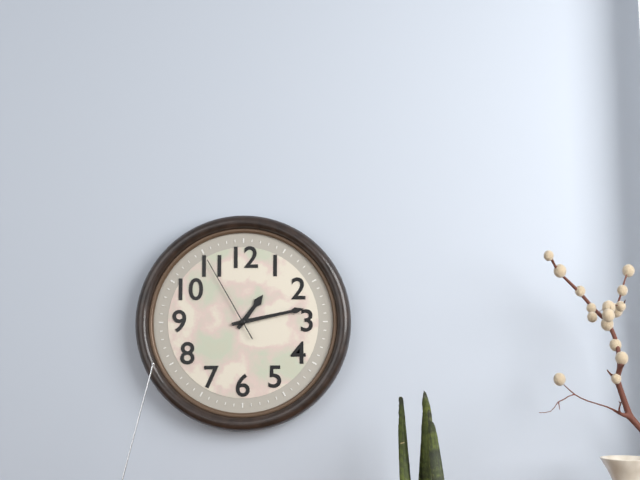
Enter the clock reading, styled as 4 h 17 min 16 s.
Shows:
1 h 13 min 55 s
